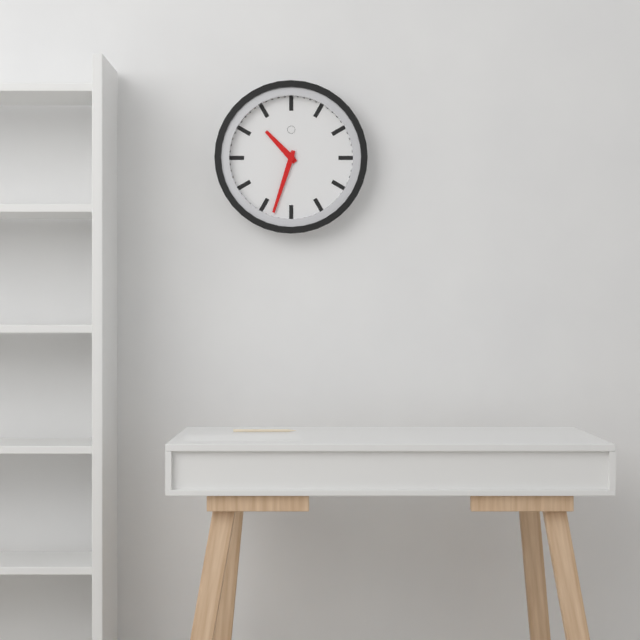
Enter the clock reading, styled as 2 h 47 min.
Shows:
10 h 33 min
